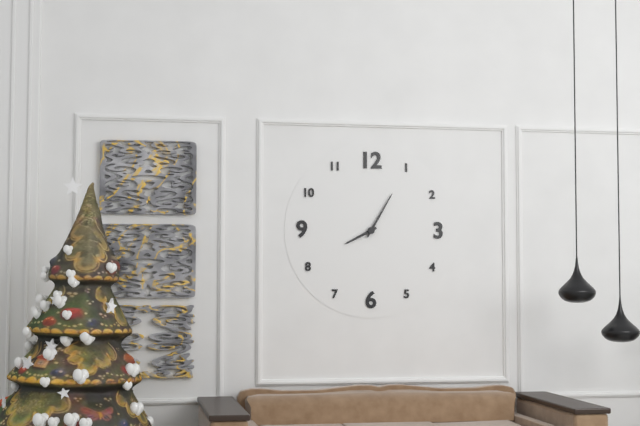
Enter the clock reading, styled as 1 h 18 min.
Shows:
8 h 05 min
